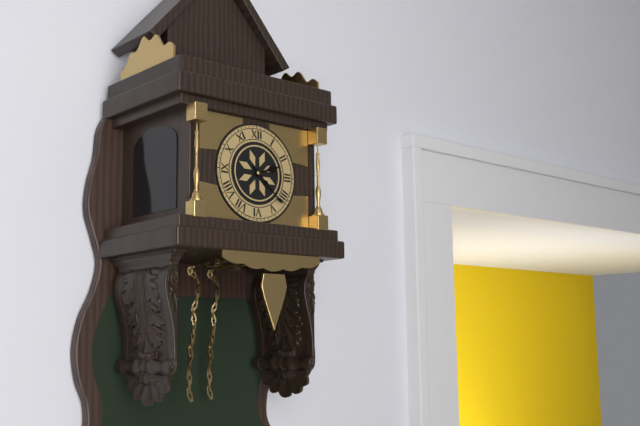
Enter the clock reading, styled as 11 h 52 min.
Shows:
2 h 22 min
